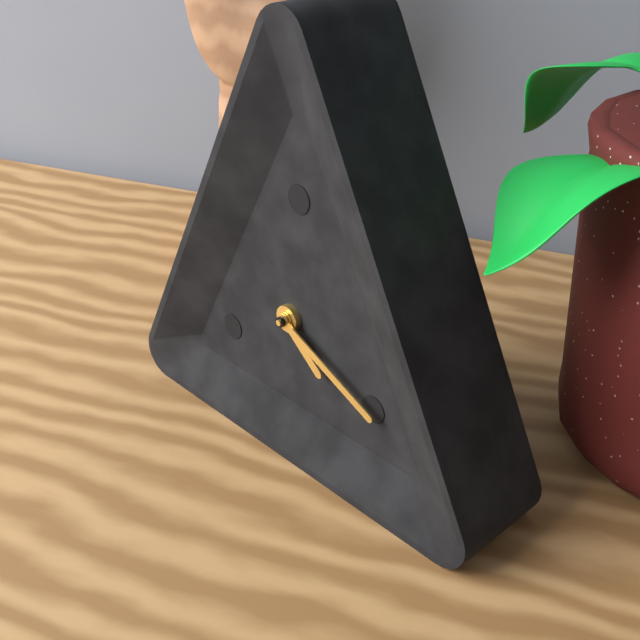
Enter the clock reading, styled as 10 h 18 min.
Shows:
4 h 19 min
